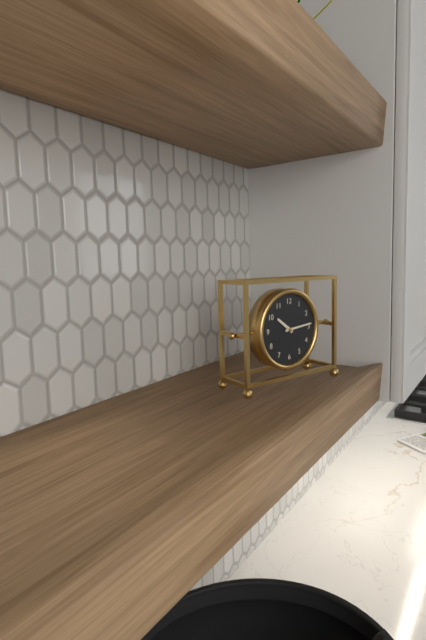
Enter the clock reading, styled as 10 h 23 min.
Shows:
10 h 14 min
